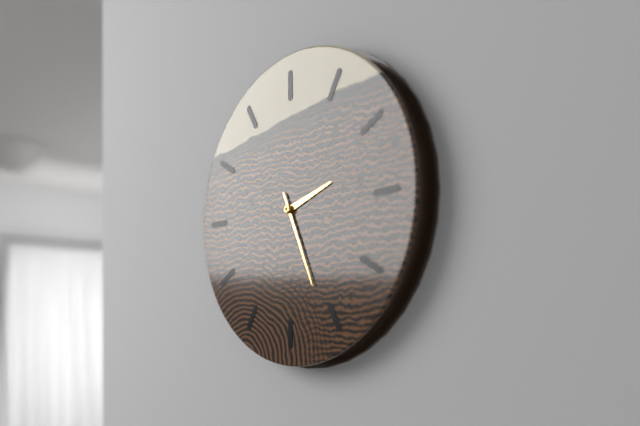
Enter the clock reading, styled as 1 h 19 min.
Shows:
2 h 26 min
